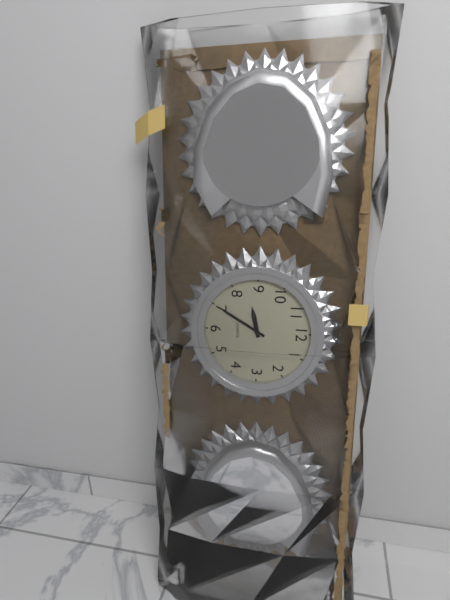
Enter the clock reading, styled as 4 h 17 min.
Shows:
8 h 35 min
